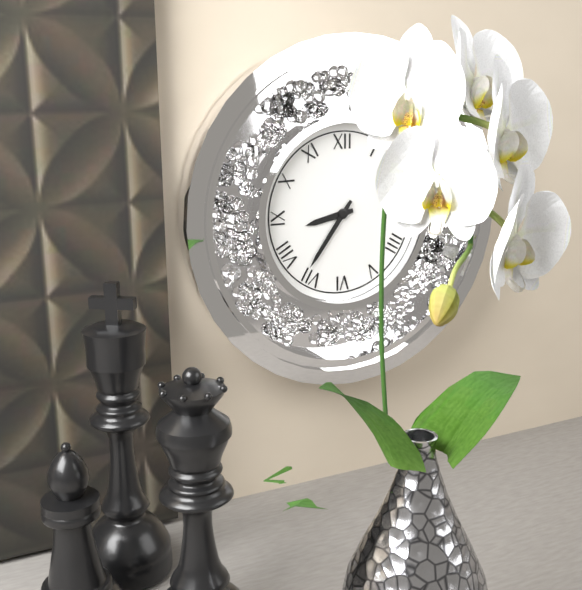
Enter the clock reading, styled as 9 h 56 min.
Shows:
8 h 36 min
